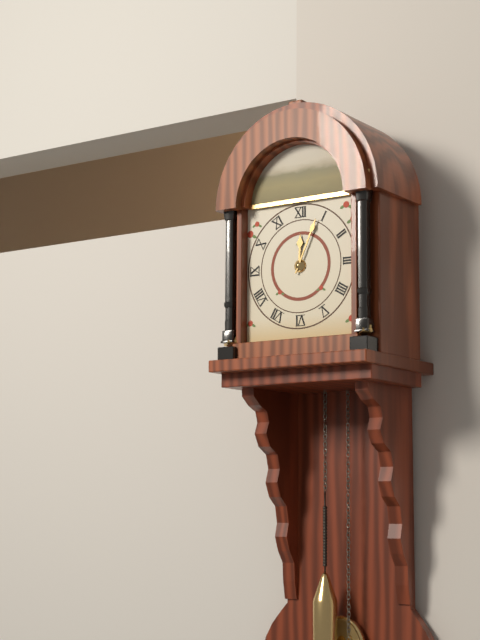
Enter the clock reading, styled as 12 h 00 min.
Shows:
12 h 04 min
